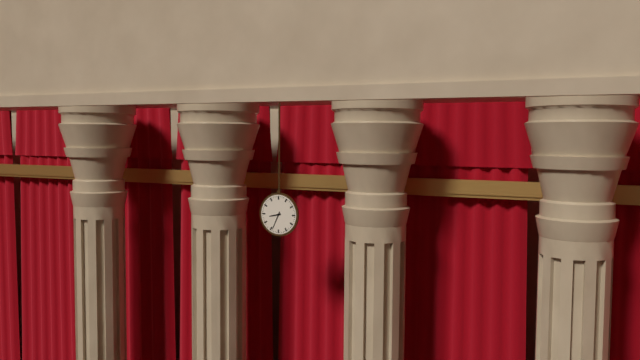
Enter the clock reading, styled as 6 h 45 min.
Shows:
8 h 34 min
